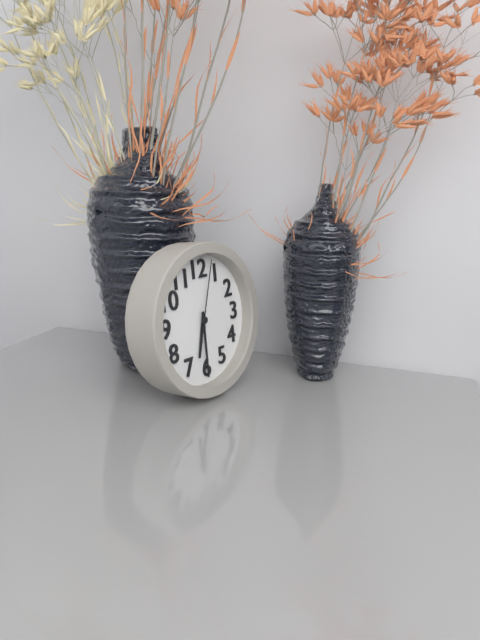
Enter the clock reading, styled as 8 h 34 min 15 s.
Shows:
6 h 30 min 03 s
